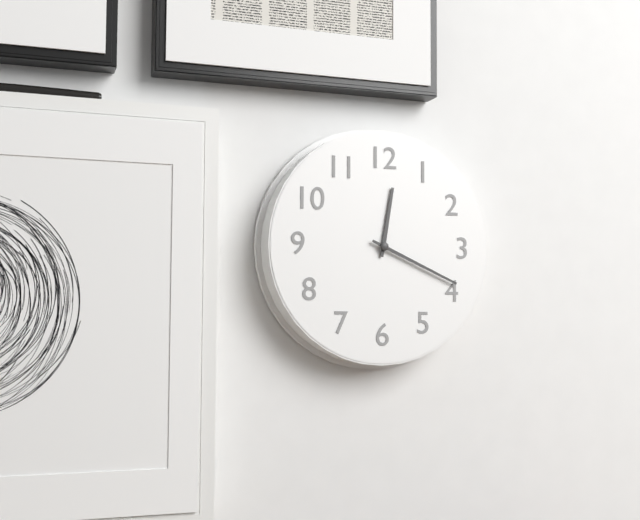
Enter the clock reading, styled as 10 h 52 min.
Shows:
12 h 19 min
